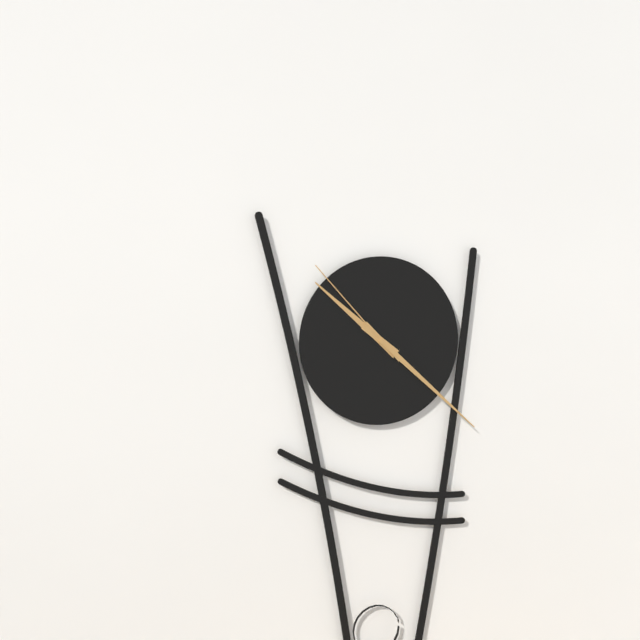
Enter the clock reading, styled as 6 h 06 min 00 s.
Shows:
10 h 22 min 53 s
